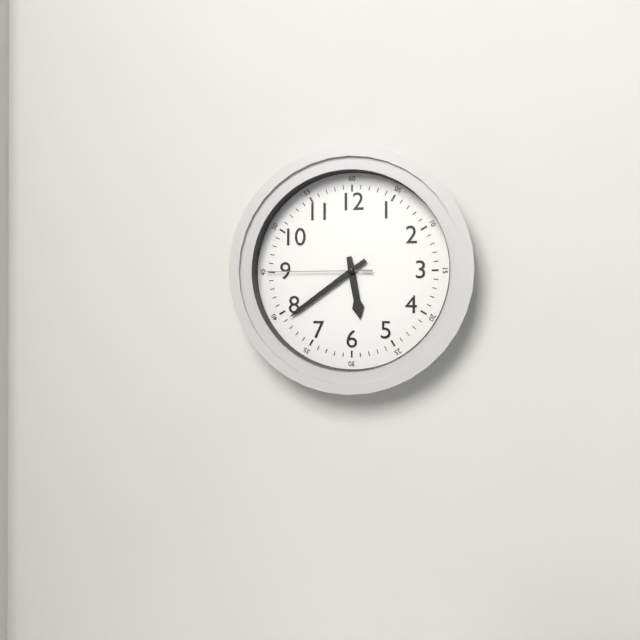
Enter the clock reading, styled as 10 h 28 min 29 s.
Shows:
5 h 39 min 45 s
